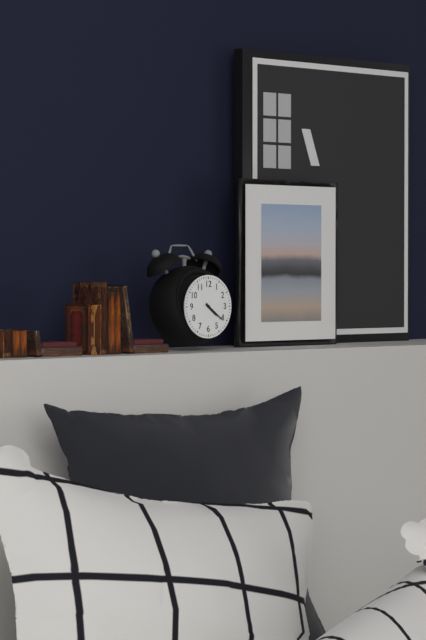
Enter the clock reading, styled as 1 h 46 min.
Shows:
4 h 21 min
